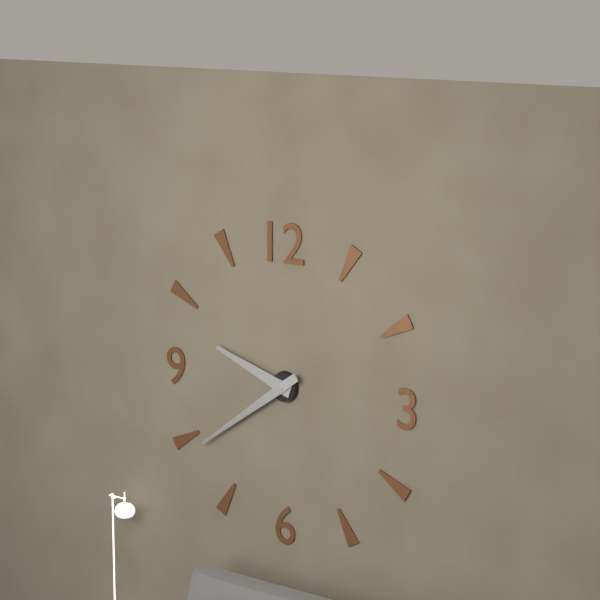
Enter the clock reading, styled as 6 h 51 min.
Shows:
9 h 39 min
